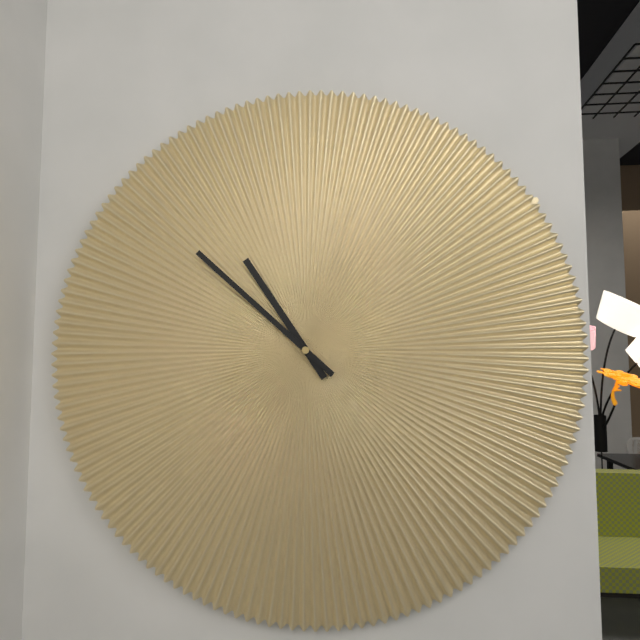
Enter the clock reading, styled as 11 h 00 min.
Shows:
10 h 52 min
